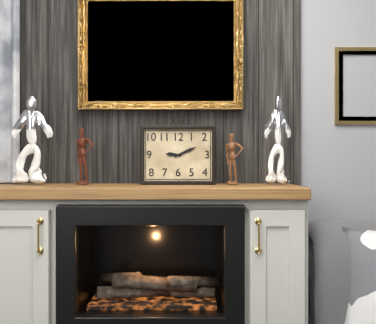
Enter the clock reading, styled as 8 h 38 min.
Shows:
9 h 11 min
